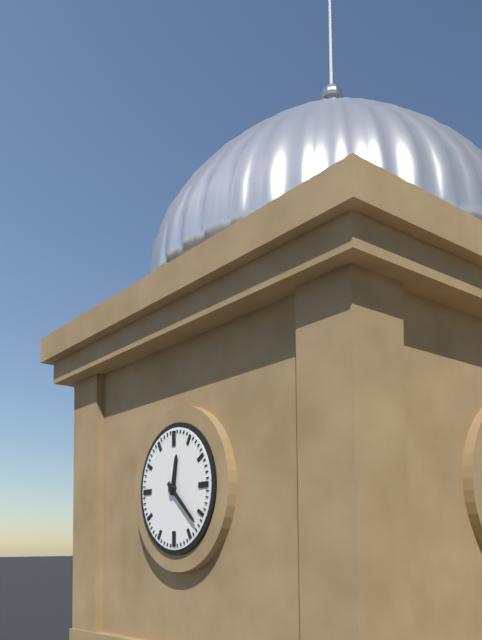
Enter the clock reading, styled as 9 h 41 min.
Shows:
12 h 22 min
